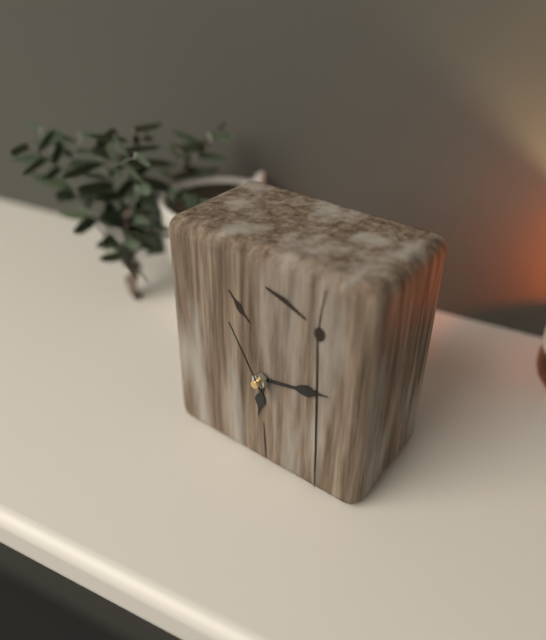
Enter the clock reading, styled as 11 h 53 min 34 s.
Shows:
6 h 13 min 55 s
